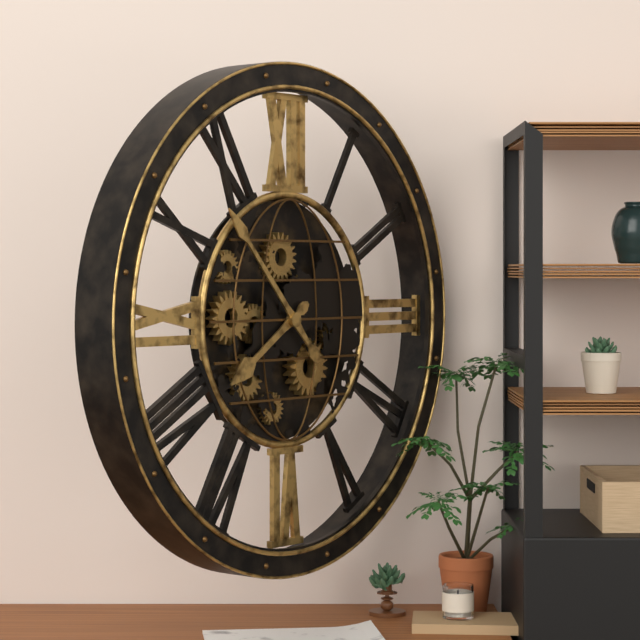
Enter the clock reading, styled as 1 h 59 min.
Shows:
7 h 53 min
